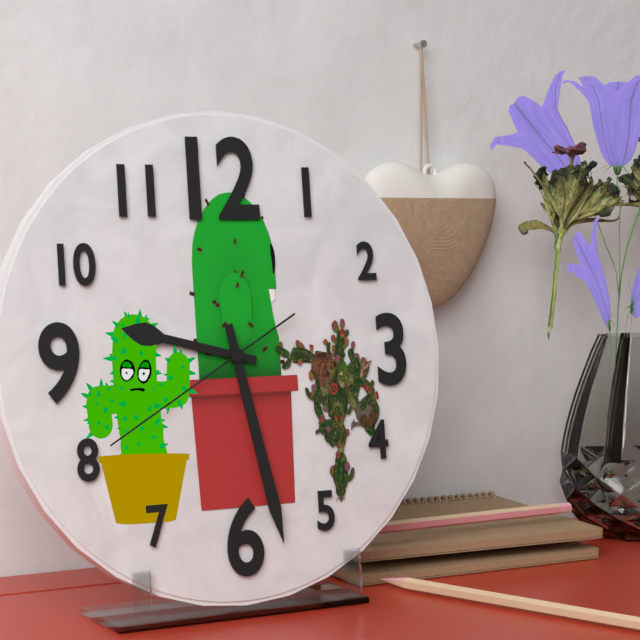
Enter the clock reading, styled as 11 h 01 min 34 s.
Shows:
9 h 28 min 40 s
